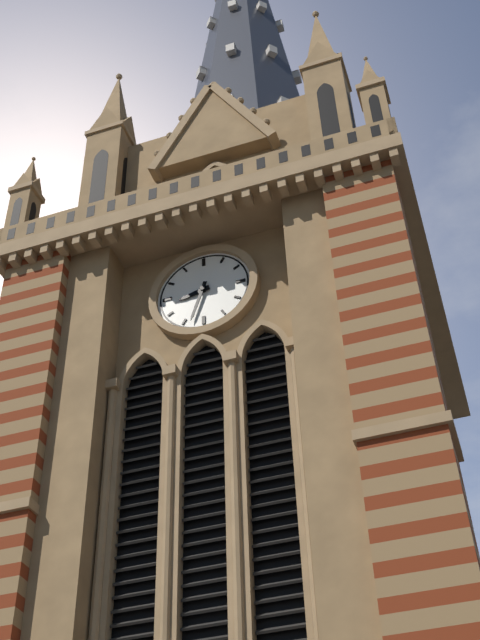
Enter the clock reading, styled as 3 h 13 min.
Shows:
8 h 33 min
